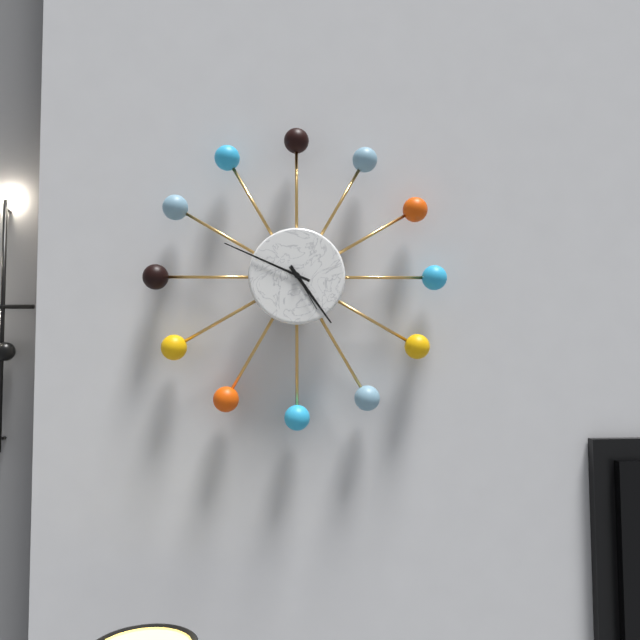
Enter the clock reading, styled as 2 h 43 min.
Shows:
4 h 49 min
